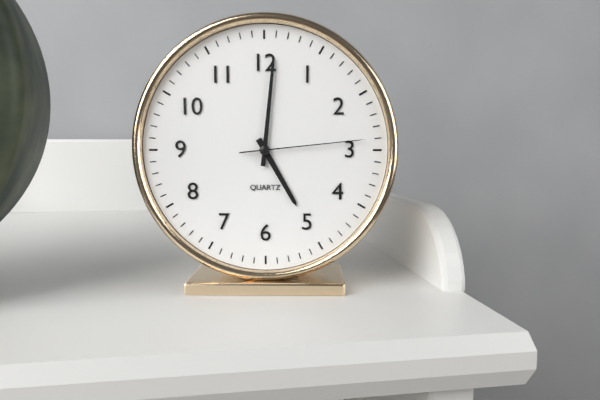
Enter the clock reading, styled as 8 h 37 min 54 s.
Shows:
5 h 01 min 14 s
